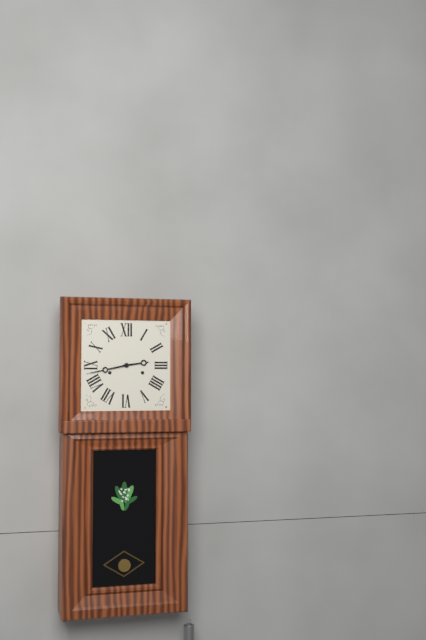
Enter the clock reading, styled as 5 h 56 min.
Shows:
2 h 43 min
